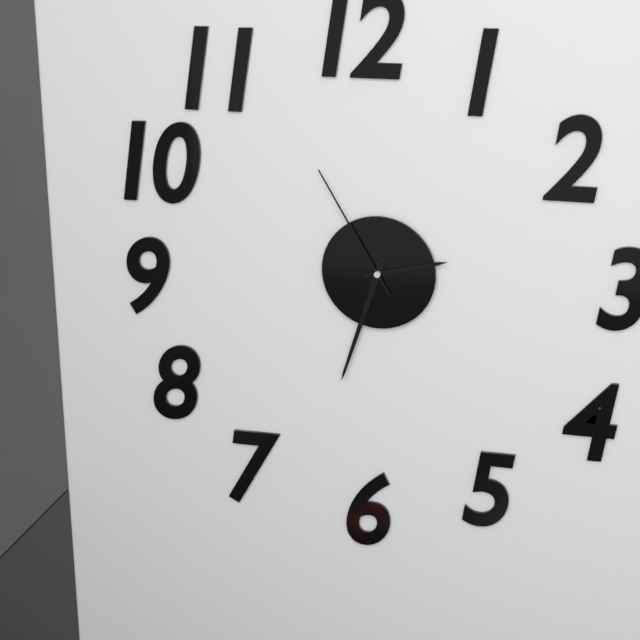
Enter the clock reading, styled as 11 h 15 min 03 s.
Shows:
2 h 33 min 55 s
